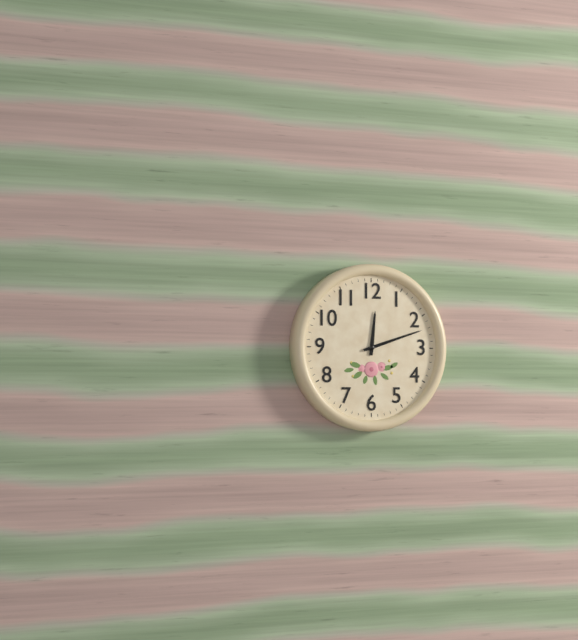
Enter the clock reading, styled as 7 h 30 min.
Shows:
12 h 12 min
